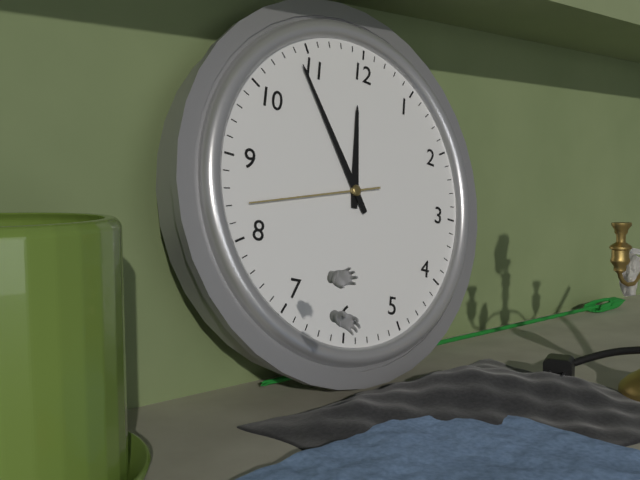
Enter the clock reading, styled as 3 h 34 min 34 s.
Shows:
11 h 54 min 42 s
